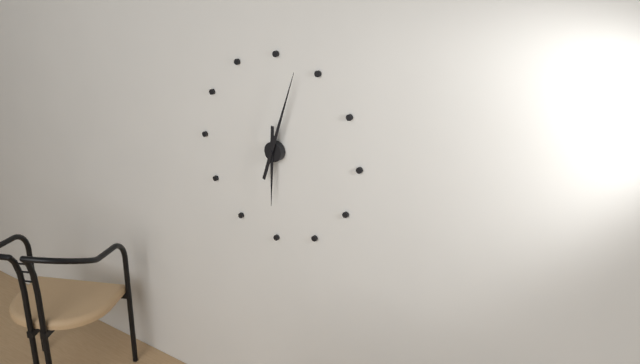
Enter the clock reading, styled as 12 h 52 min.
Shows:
6 h 03 min
